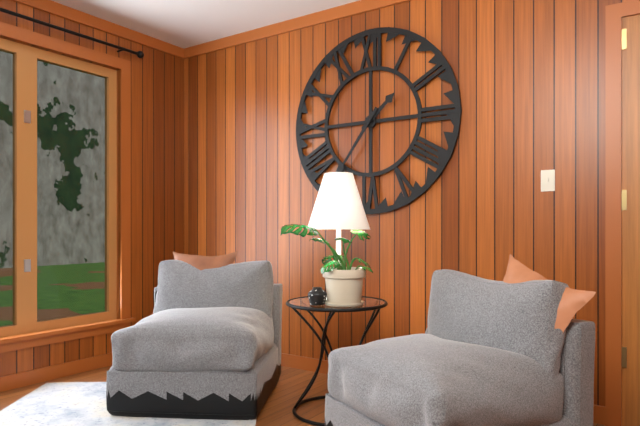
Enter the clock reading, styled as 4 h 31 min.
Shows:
1 h 36 min
